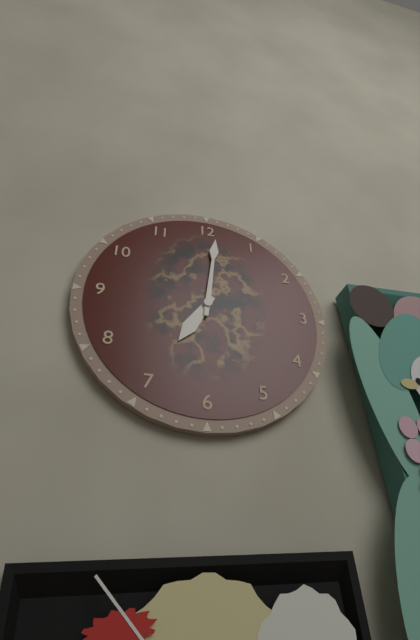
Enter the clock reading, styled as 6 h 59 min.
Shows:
7 h 01 min
